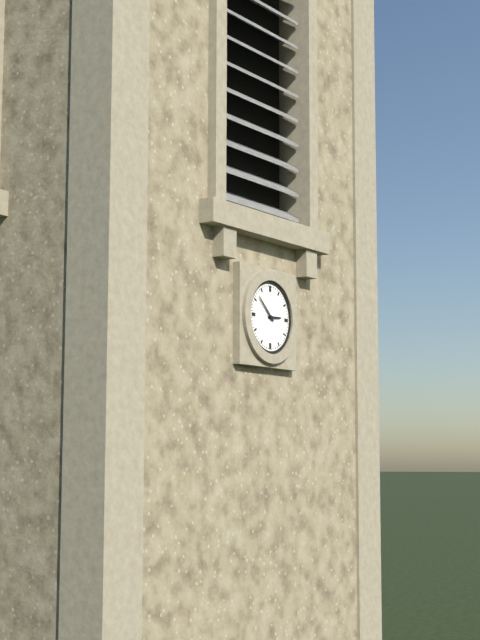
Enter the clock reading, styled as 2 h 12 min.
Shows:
2 h 52 min
